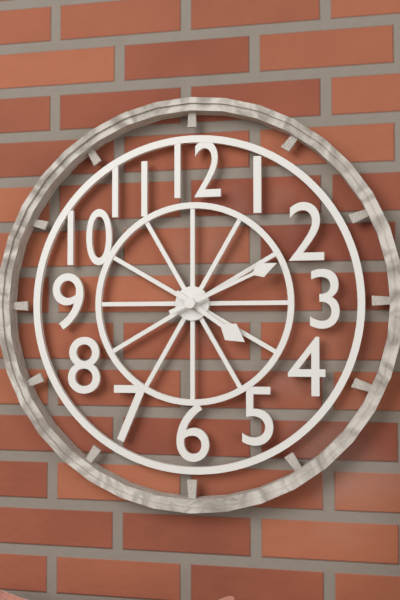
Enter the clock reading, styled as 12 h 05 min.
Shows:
4 h 11 min
